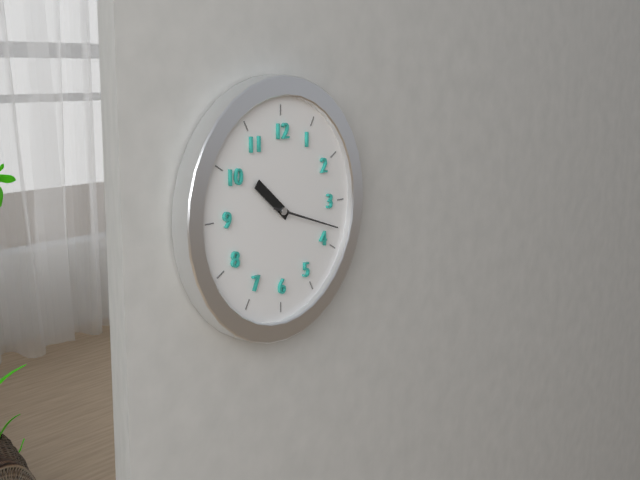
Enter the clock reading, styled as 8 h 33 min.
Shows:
10 h 18 min
